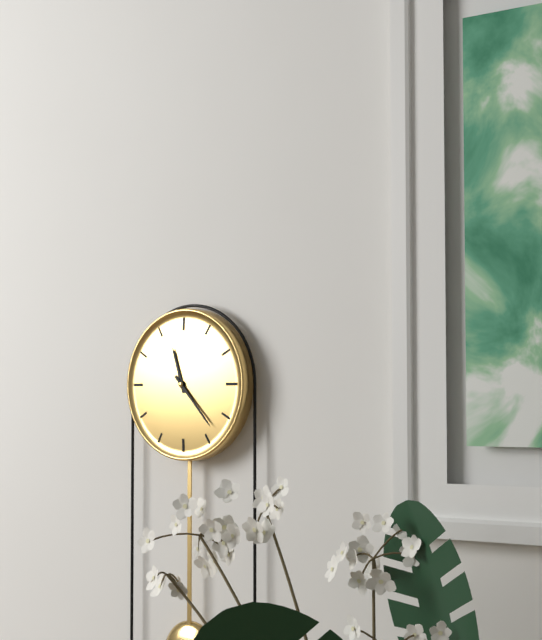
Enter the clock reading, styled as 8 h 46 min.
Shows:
11 h 23 min
